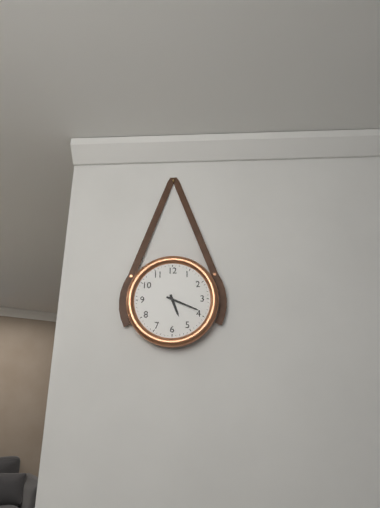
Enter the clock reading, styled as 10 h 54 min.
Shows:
5 h 19 min
